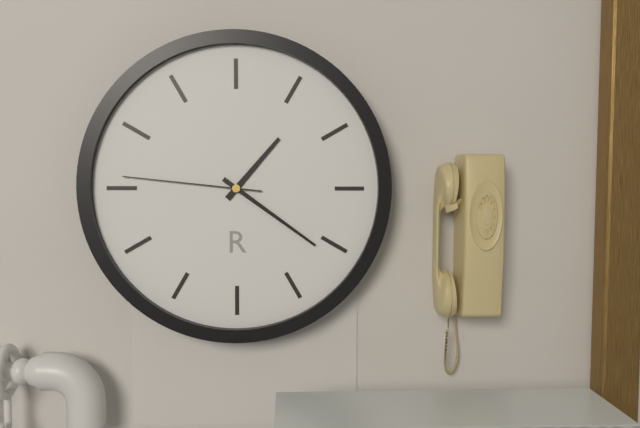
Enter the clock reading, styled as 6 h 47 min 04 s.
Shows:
1 h 21 min 46 s
